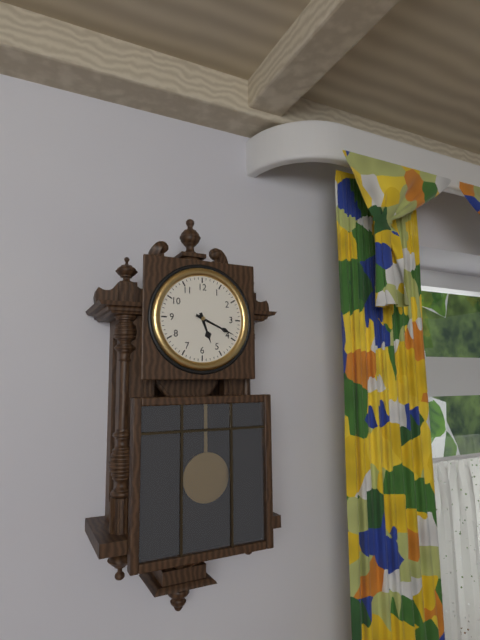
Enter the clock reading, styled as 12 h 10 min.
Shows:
5 h 19 min
